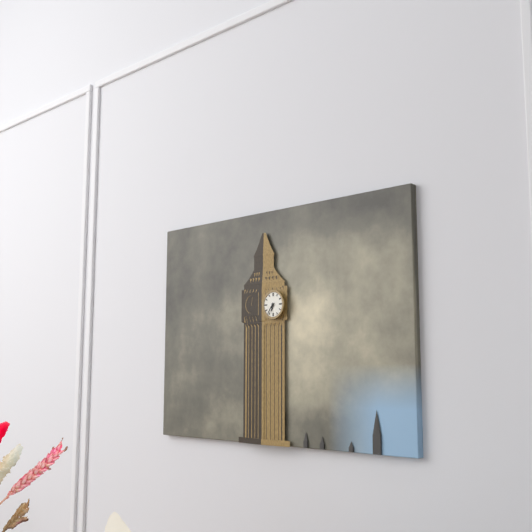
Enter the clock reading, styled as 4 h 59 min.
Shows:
6 h 36 min
